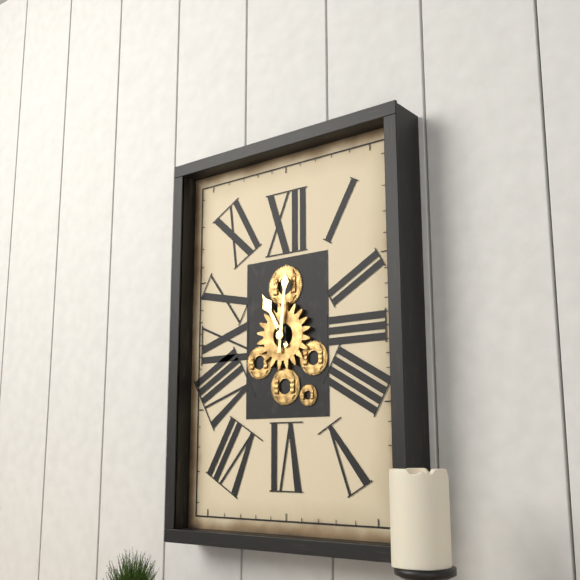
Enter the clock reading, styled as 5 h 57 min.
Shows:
11 h 01 min
